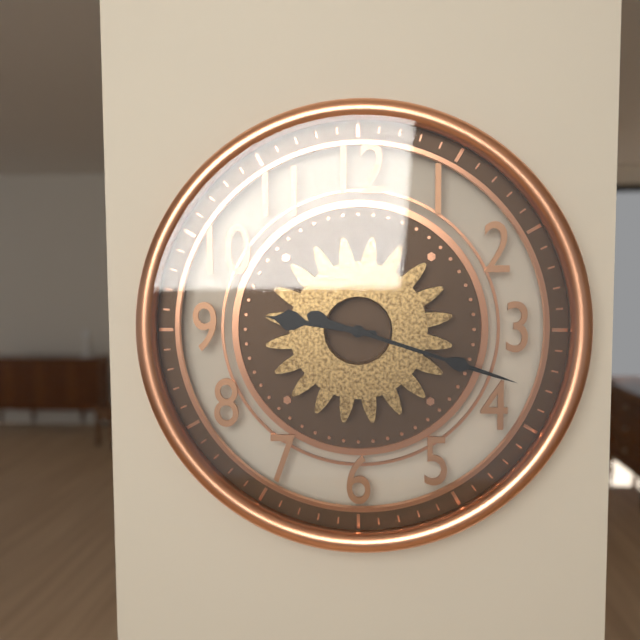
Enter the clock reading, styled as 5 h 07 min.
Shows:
9 h 18 min
